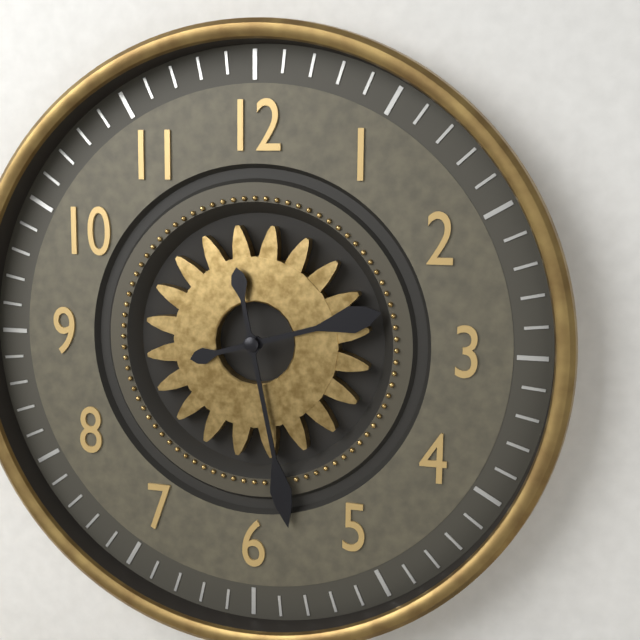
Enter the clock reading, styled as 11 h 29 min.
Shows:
2 h 28 min
